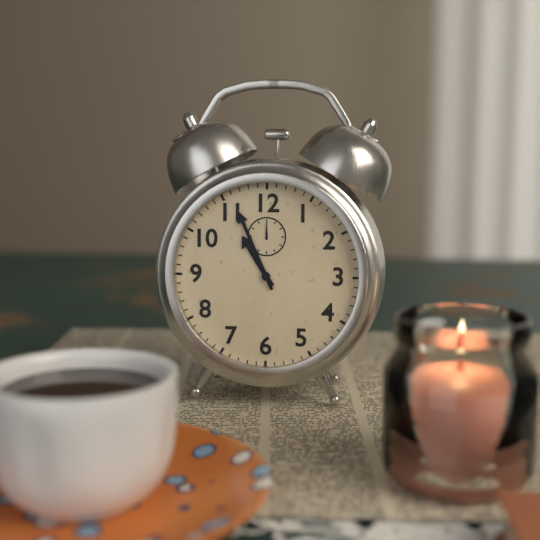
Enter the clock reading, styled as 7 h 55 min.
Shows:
10 h 56 min
